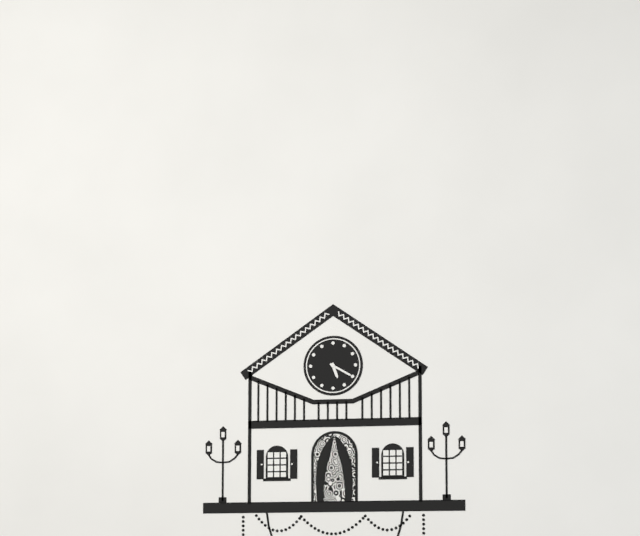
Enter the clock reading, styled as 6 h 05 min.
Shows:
5 h 20 min
